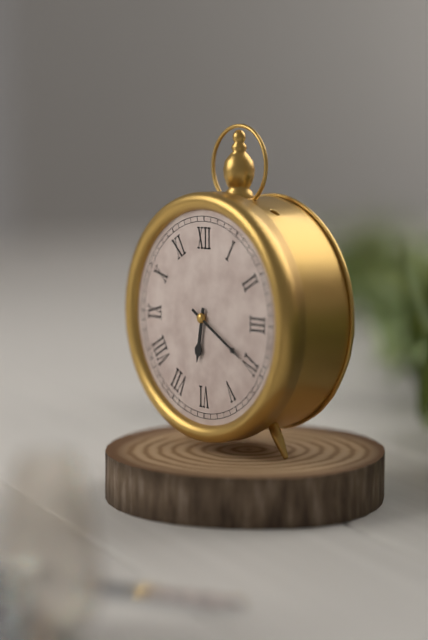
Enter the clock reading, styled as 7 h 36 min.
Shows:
6 h 20 min
